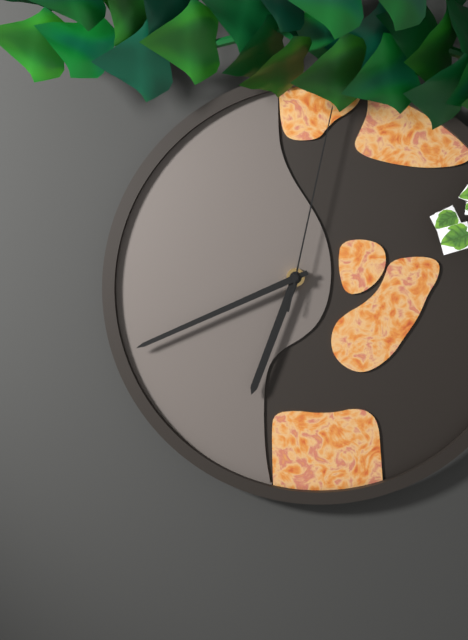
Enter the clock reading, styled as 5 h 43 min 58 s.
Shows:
6 h 41 min 02 s
